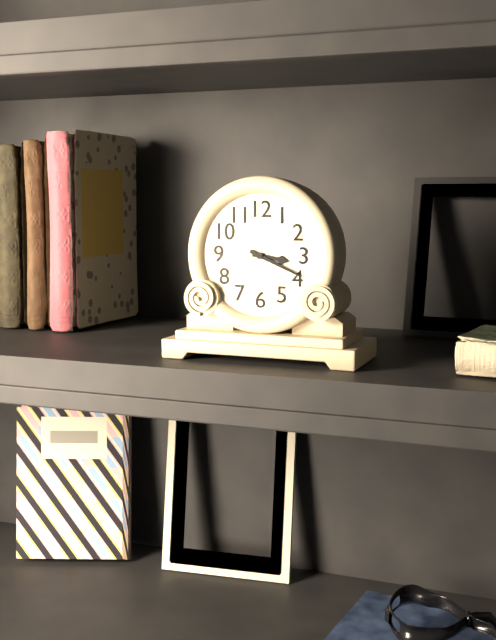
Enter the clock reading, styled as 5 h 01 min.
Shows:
3 h 19 min
